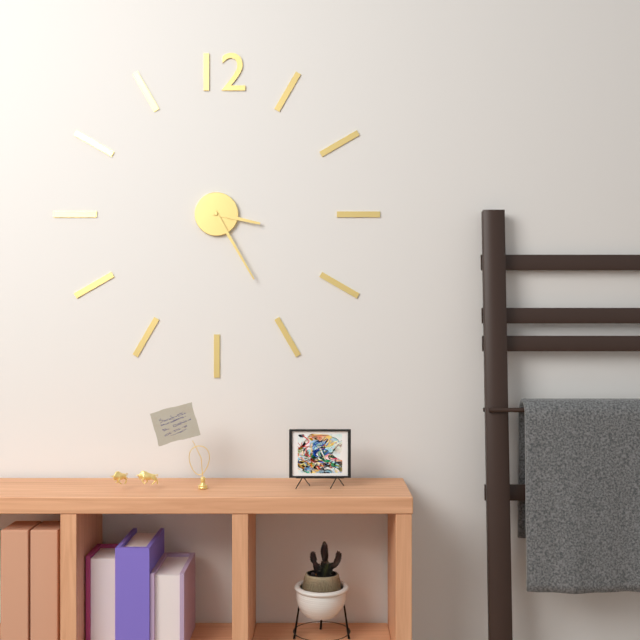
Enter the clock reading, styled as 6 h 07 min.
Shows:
3 h 25 min
